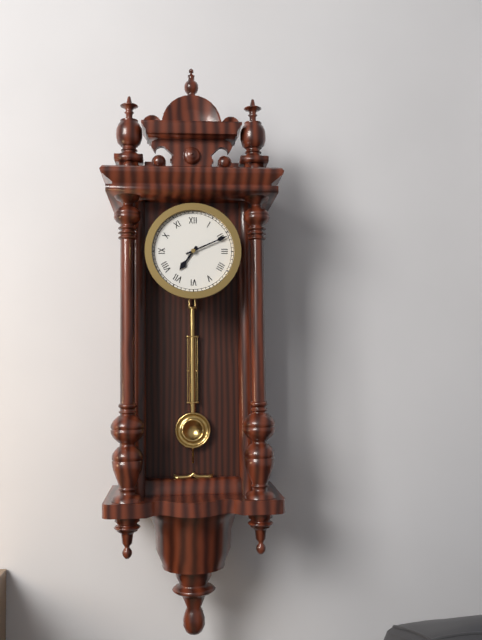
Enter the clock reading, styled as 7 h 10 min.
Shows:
7 h 11 min
